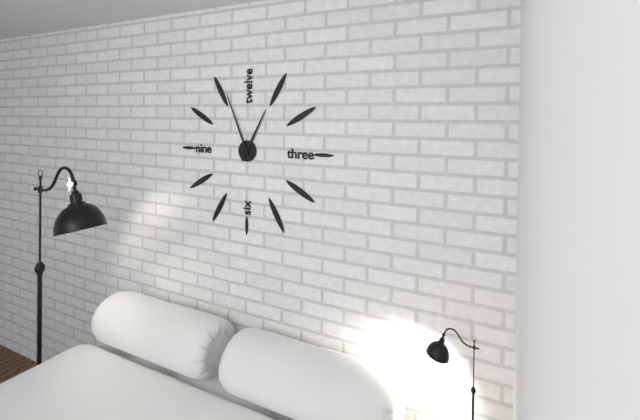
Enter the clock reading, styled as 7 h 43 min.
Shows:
12 h 56 min
